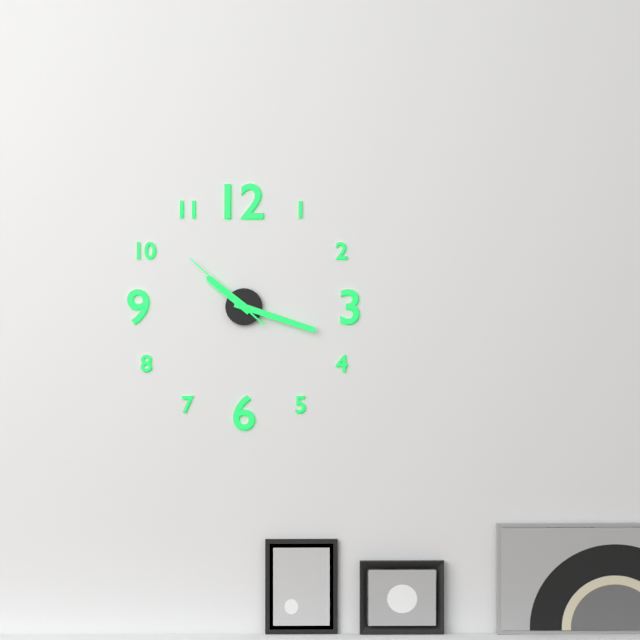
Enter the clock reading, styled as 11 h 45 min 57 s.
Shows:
10 h 18 min 52 s
